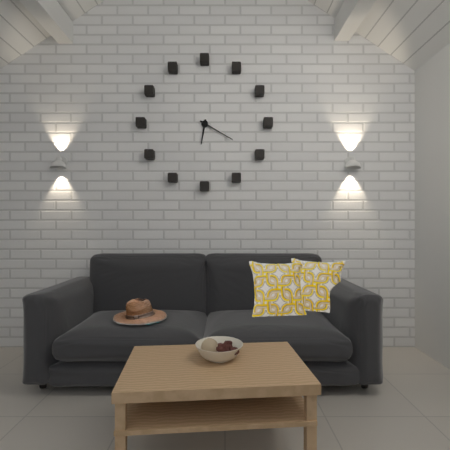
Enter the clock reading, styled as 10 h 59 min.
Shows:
6 h 20 min
